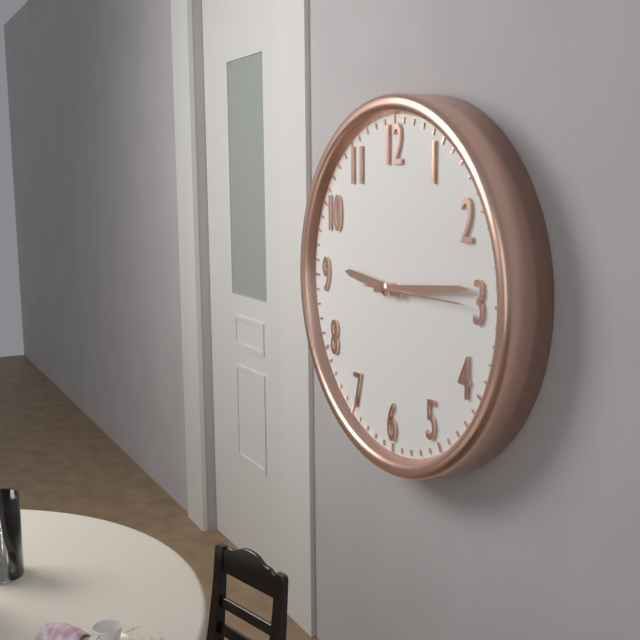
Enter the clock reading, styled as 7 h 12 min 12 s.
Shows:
9 h 14 min 15 s
